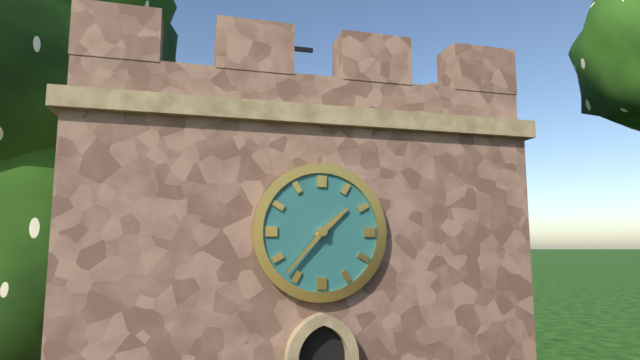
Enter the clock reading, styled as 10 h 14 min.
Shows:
1 h 37 min
